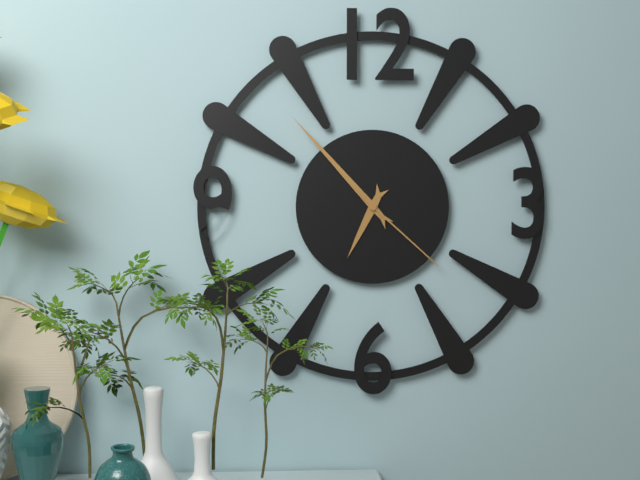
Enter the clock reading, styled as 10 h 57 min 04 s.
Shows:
6 h 53 min 22 s
